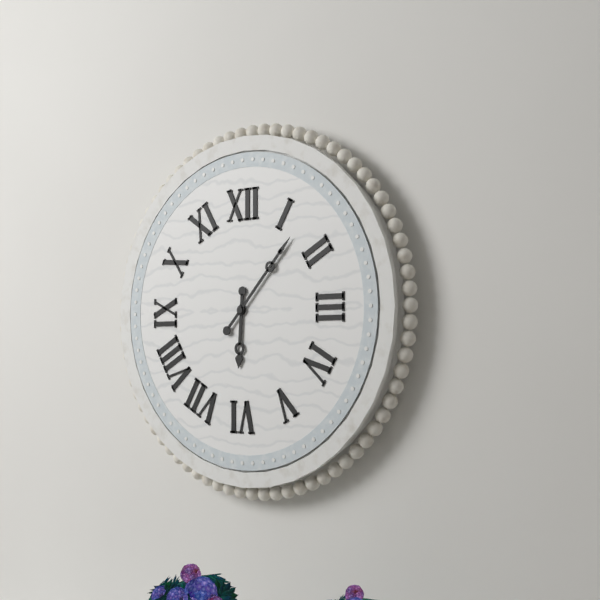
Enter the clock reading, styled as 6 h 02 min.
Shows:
6 h 07 min
